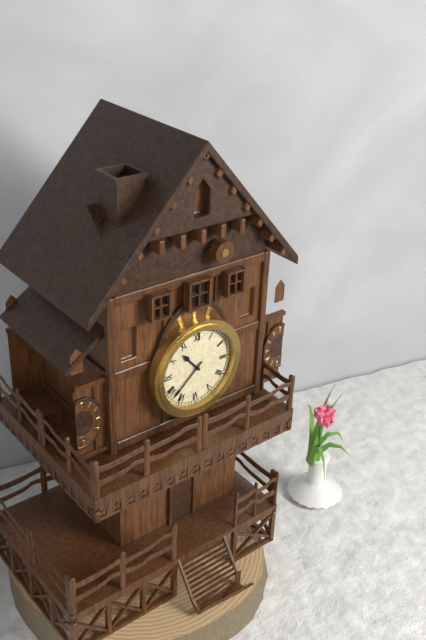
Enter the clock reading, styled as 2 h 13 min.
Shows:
10 h 38 min
